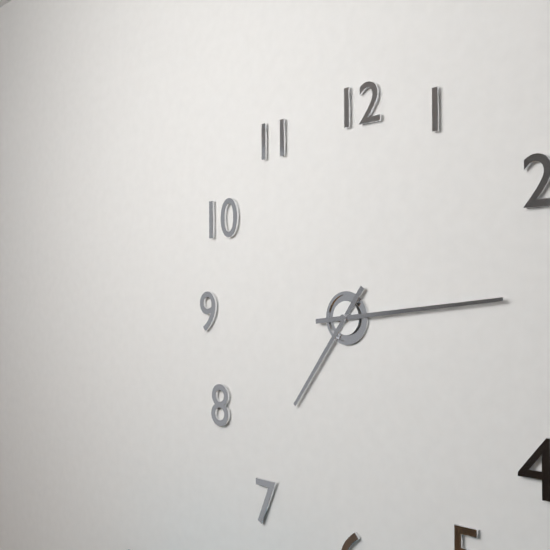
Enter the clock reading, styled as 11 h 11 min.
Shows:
7 h 14 min
